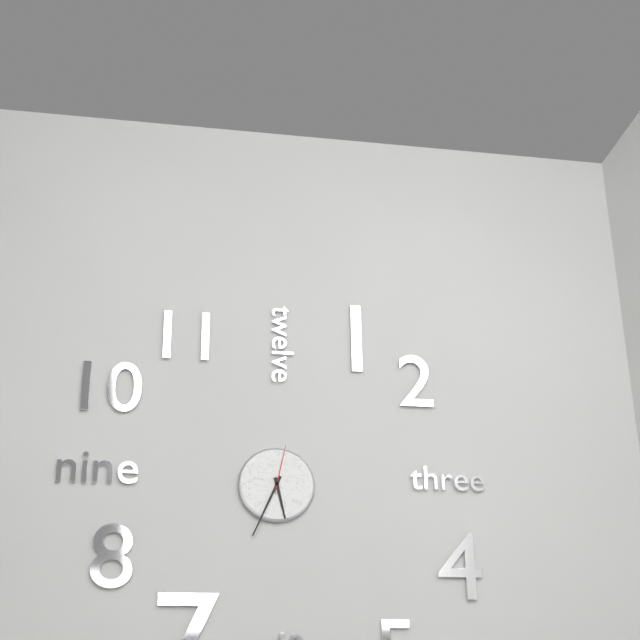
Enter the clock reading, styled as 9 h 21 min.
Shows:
5 h 34 min
